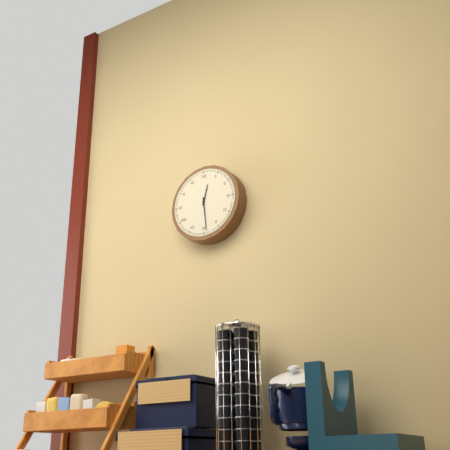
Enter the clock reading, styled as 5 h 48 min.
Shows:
12 h 29 min
